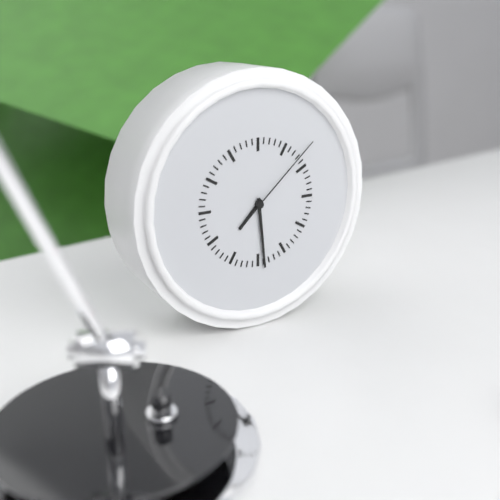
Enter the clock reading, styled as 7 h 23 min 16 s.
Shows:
7 h 29 min 08 s
